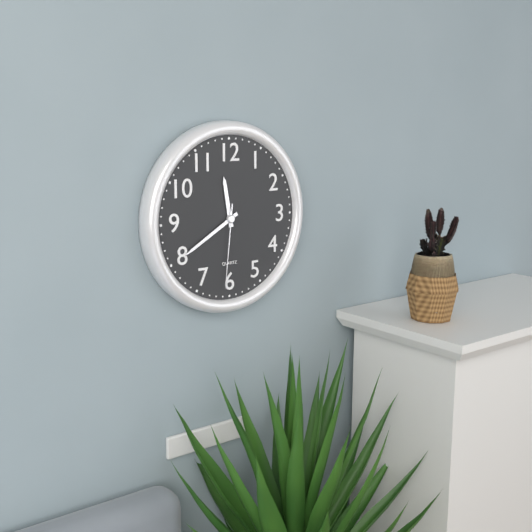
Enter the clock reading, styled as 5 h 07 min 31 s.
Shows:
11 h 40 min 31 s
